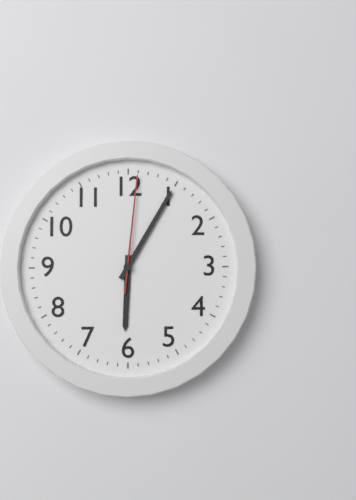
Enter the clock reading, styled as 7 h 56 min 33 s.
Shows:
6 h 05 min 01 s
